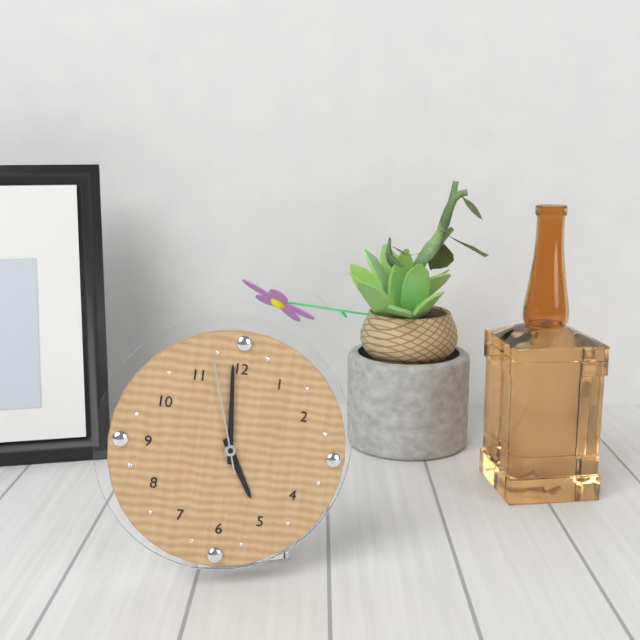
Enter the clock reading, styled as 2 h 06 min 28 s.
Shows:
4 h 59 min 57 s
